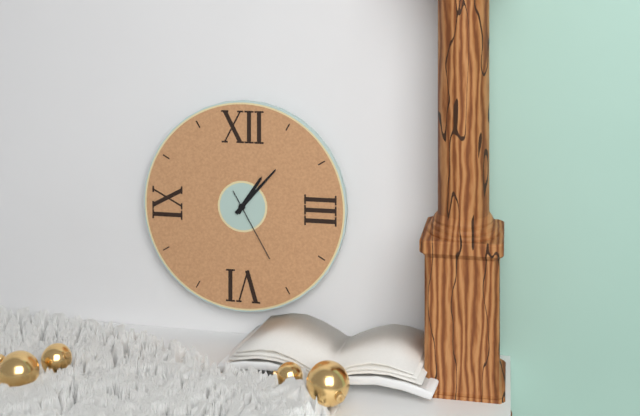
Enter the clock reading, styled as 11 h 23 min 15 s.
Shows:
1 h 07 min 25 s
